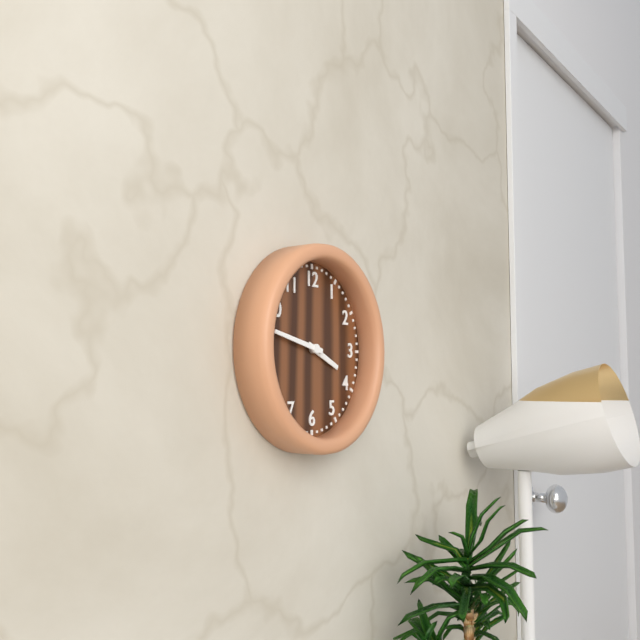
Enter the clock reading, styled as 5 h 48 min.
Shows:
3 h 47 min
